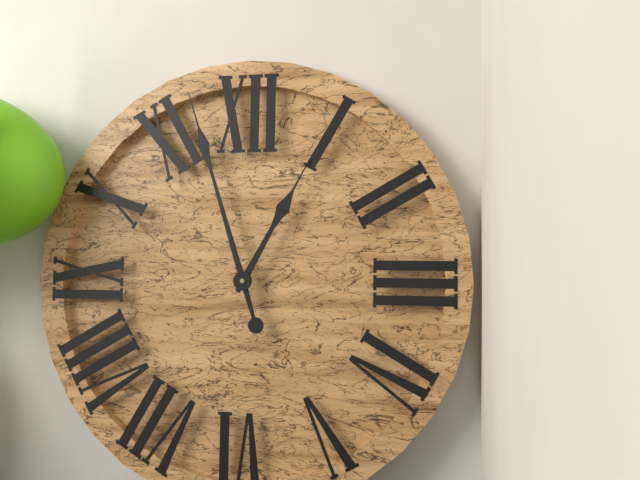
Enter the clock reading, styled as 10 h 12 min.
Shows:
12 h 57 min
